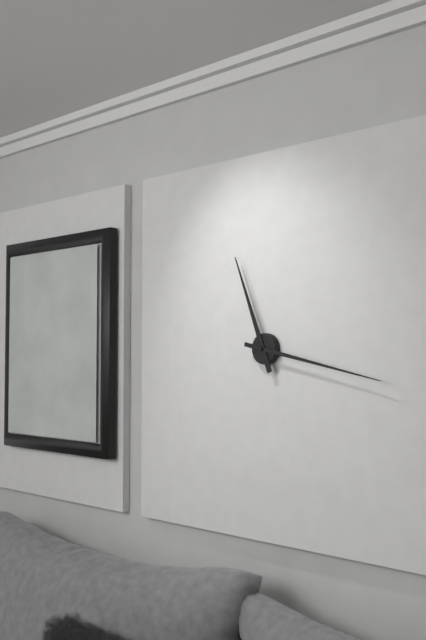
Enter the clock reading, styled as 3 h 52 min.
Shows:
11 h 17 min
